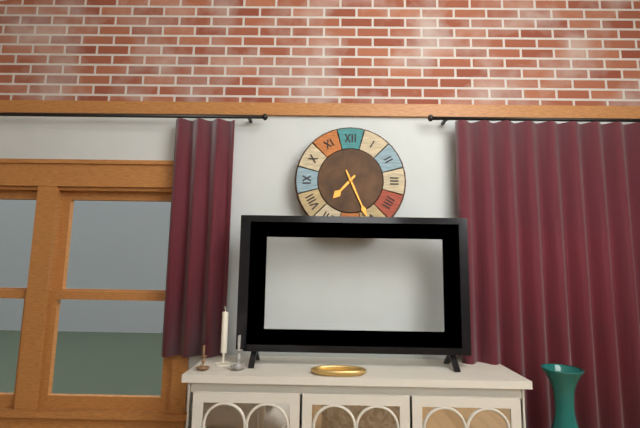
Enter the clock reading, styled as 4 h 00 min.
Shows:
7 h 26 min
